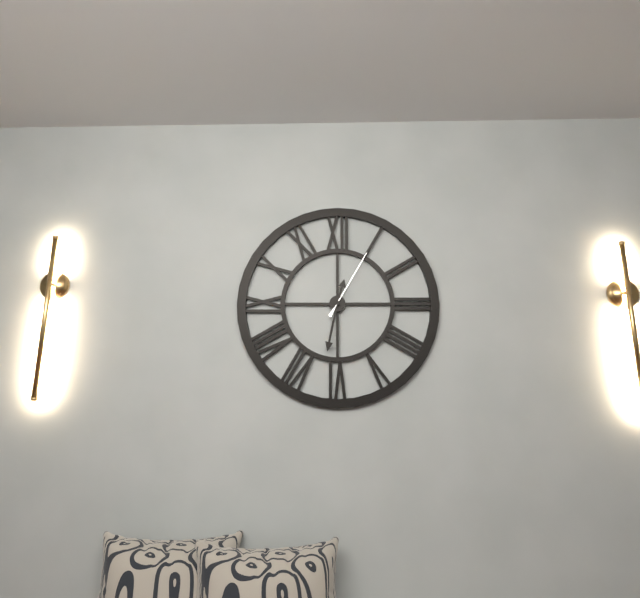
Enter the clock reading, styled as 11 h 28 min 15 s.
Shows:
12 h 32 min 05 s
